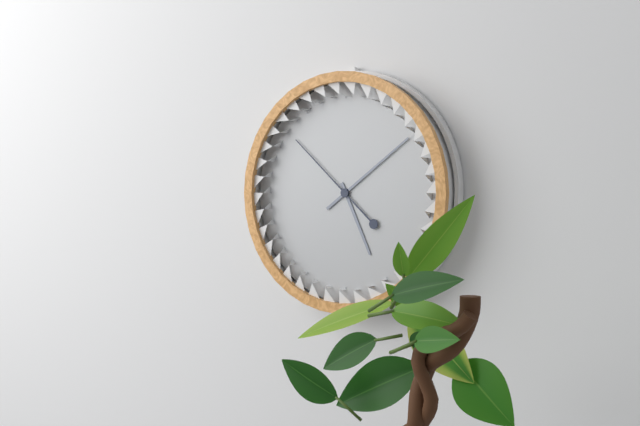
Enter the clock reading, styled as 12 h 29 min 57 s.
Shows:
5 h 09 min 52 s
